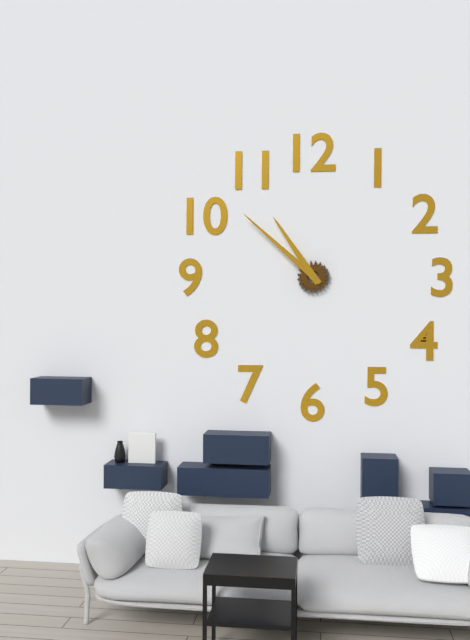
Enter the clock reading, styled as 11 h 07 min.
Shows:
10 h 52 min
